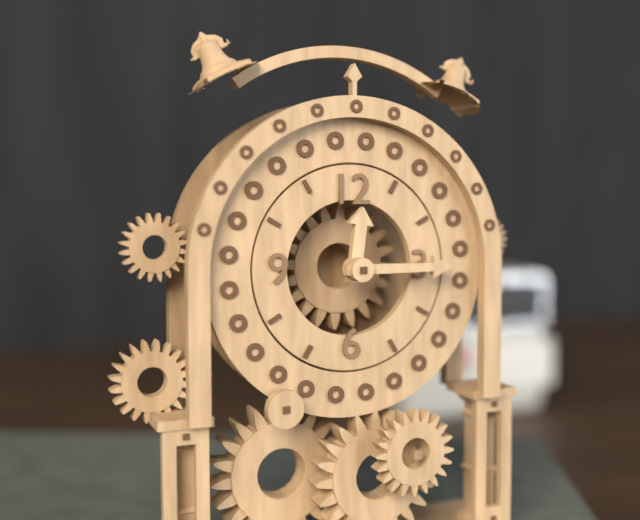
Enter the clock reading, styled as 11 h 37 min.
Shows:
12 h 15 min
